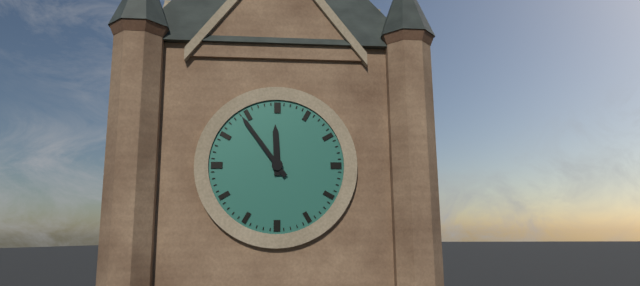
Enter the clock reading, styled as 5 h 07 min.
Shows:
11 h 54 min
